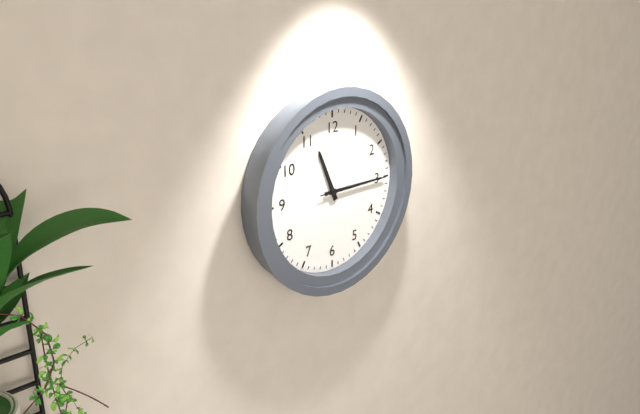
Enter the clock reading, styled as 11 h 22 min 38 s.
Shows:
11 h 15 min 15 s
